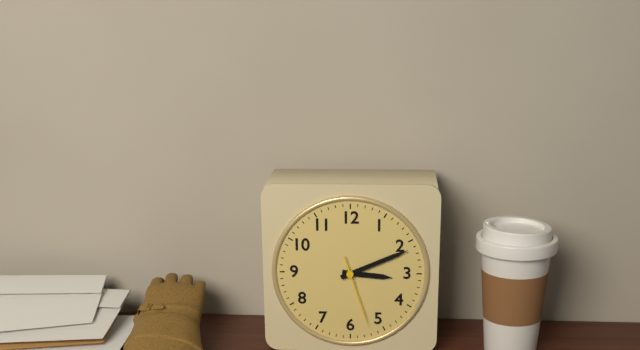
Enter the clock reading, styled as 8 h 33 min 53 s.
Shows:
3 h 11 min 27 s
